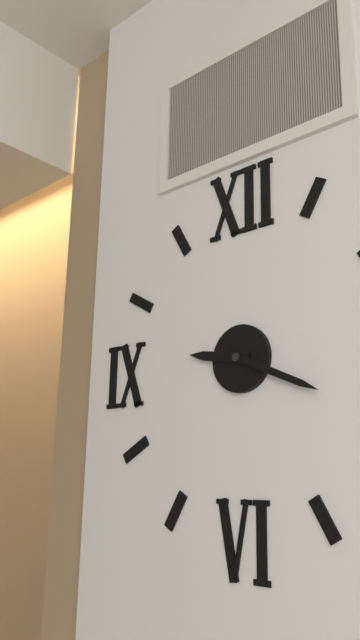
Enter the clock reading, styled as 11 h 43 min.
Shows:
9 h 19 min
